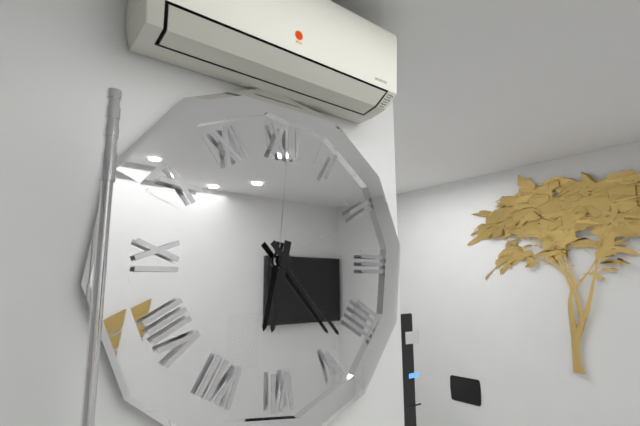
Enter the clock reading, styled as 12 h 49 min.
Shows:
6 h 23 min
